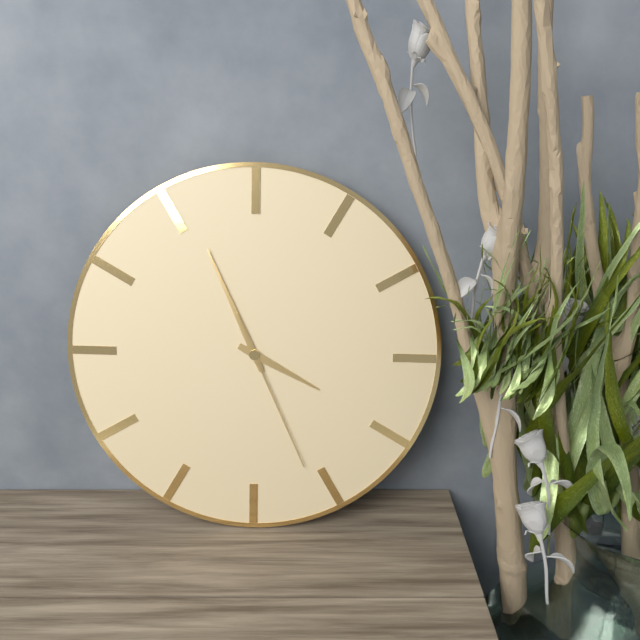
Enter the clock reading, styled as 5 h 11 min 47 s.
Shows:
3 h 56 min 26 s
